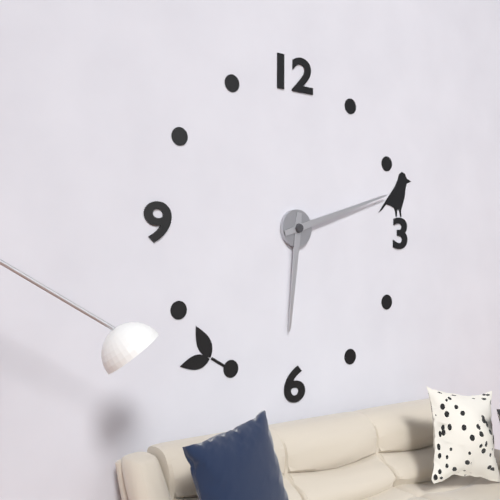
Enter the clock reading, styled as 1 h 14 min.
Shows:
6 h 12 min
